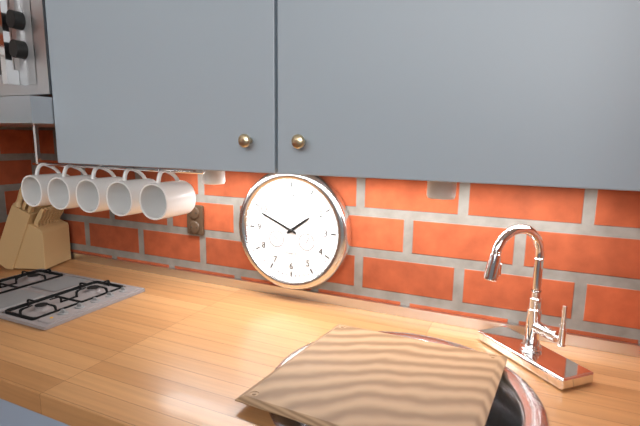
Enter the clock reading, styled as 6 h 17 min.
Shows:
1 h 49 min
